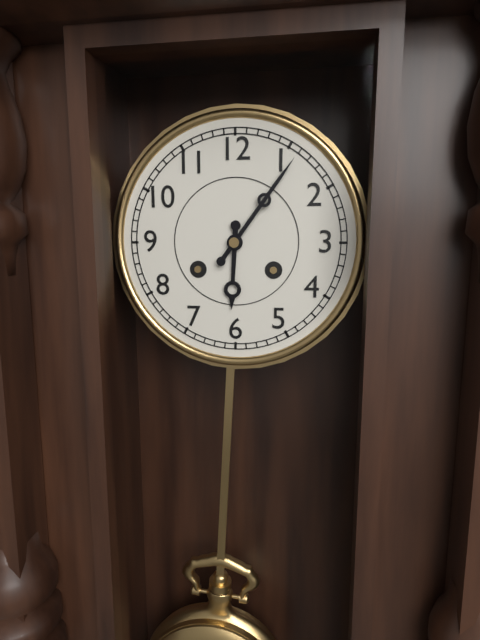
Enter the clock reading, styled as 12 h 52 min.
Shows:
6 h 06 min
